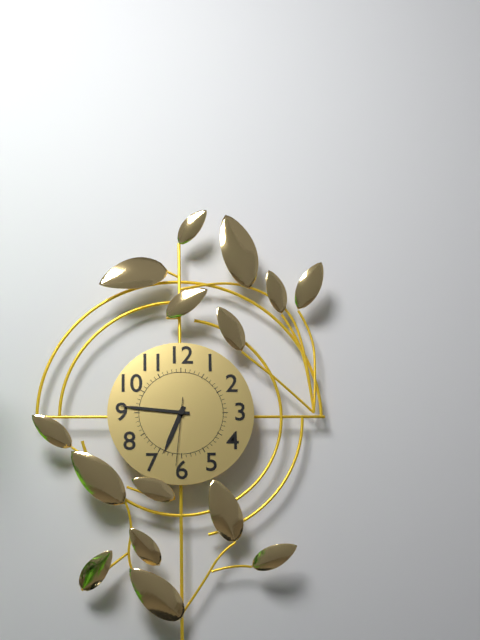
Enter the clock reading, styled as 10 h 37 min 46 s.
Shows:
6 h 46 min 31 s
